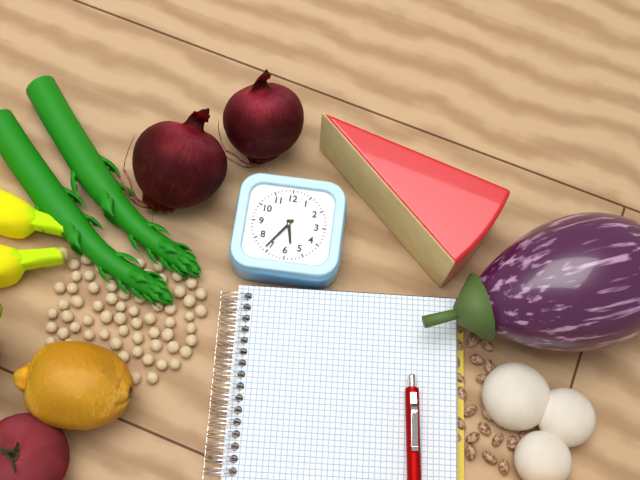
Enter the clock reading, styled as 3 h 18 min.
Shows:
5 h 36 min
